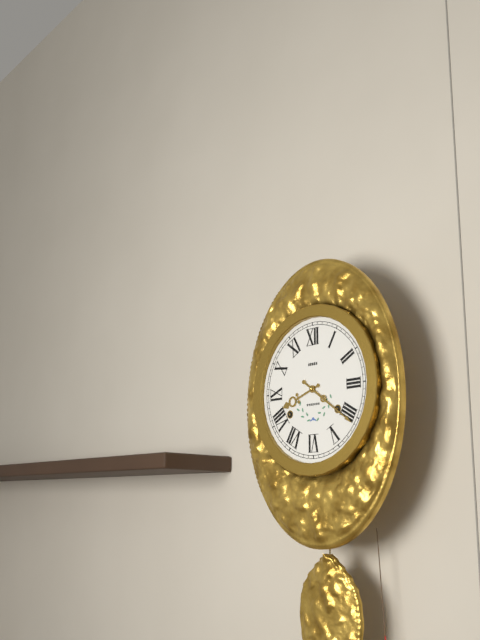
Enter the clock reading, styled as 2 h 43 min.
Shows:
8 h 21 min
